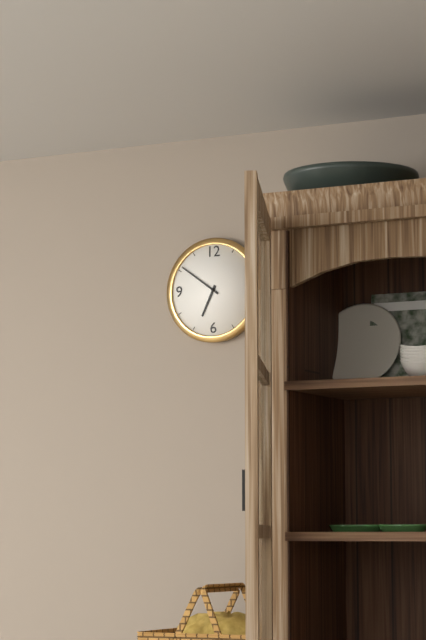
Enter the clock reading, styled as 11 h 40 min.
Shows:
6 h 51 min
